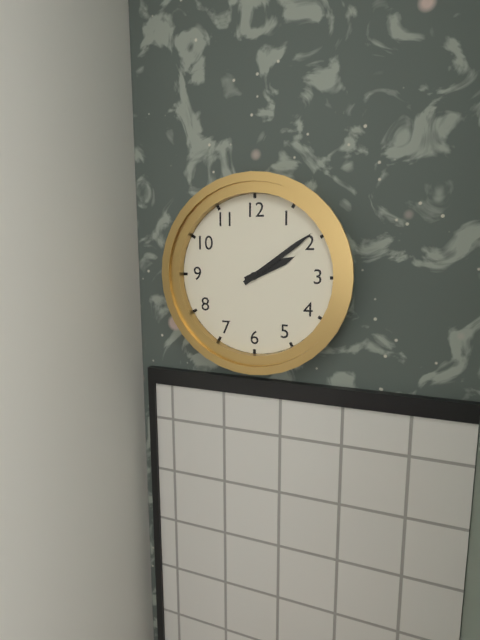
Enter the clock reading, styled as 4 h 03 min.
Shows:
2 h 09 min
